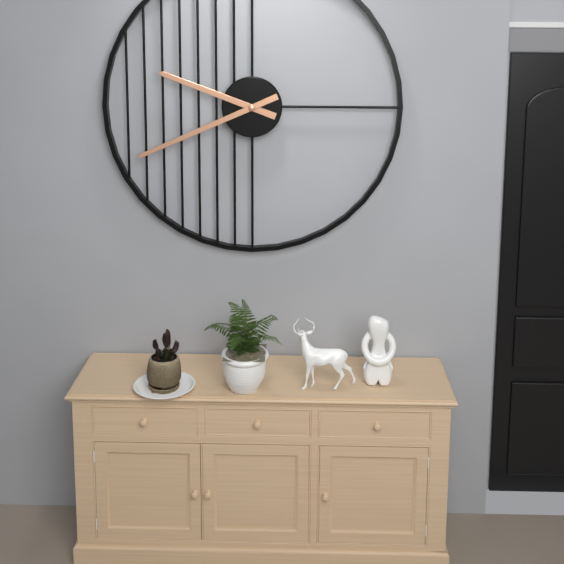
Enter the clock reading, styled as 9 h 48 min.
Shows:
9 h 41 min
